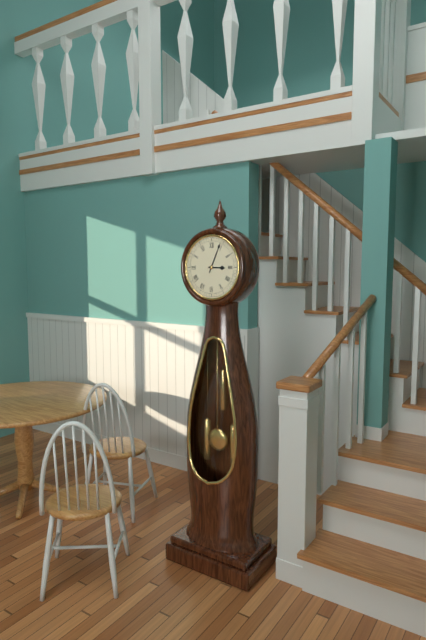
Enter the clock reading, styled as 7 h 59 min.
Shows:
3 h 04 min
